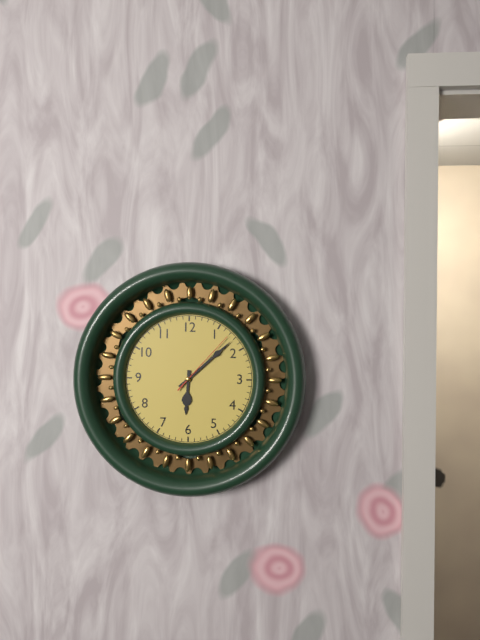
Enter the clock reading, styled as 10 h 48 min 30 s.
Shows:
6 h 08 min 07 s
